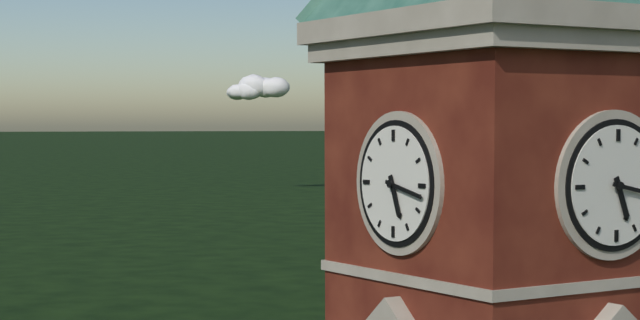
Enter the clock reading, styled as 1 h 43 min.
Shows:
5 h 17 min
